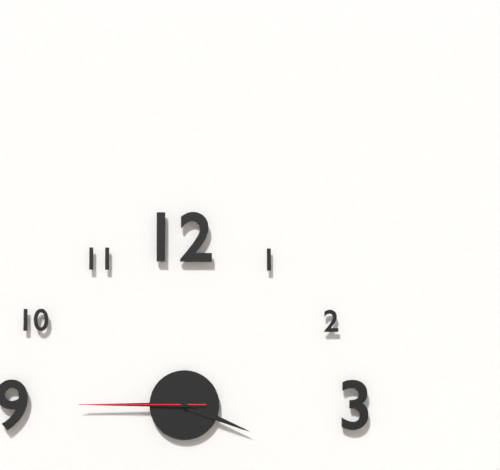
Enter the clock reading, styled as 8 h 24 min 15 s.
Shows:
3 h 45 min 45 s
